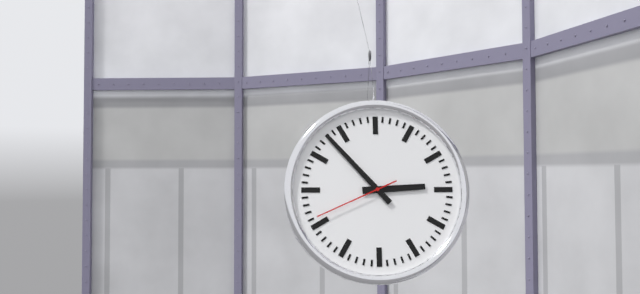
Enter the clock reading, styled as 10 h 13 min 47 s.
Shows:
2 h 53 min 41 s
